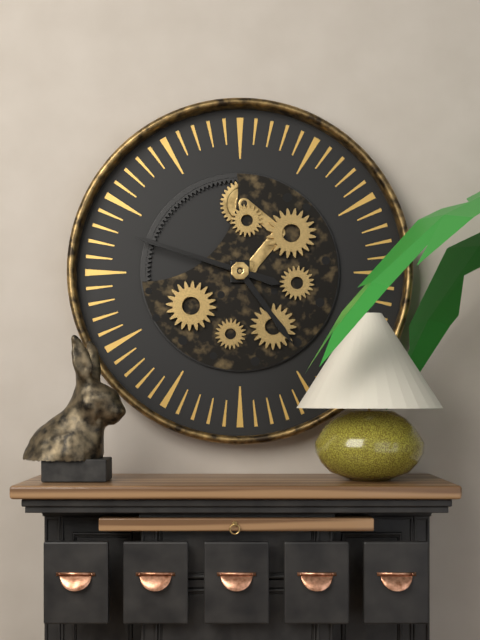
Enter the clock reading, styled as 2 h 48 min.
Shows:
4 h 48 min
